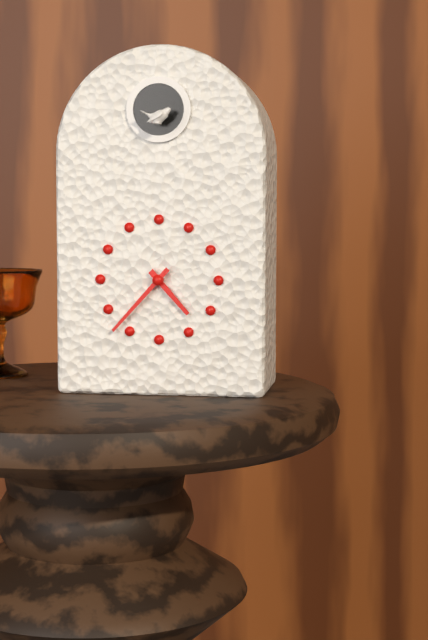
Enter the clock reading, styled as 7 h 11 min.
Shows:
4 h 37 min
